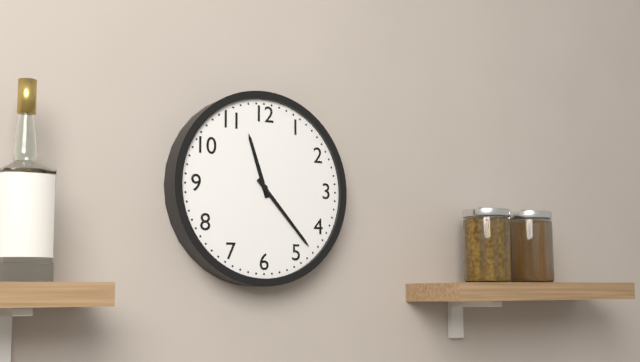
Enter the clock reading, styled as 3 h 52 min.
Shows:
11 h 23 min
